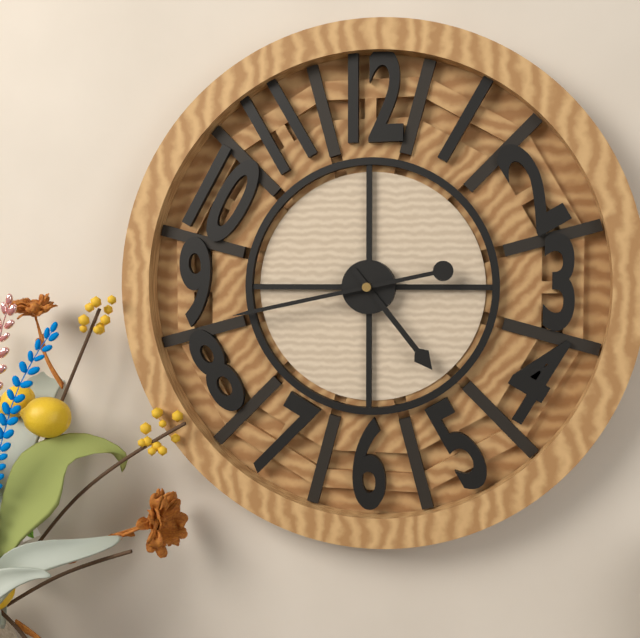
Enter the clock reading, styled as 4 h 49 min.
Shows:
4 h 43 min
